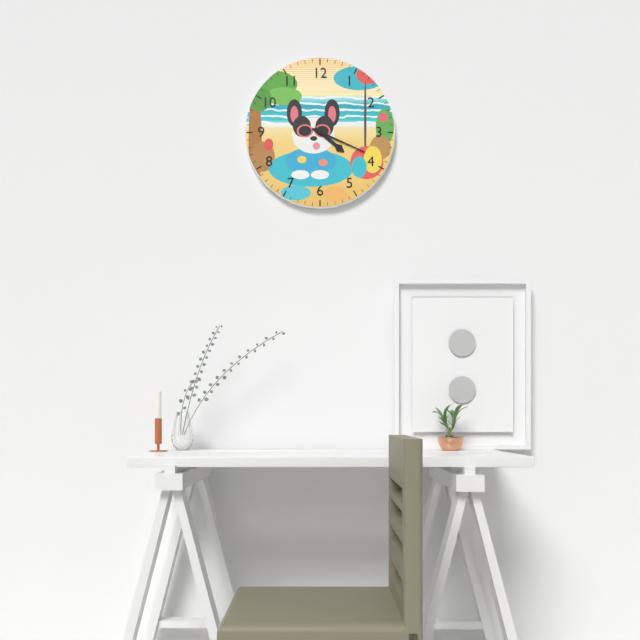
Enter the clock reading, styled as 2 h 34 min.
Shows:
4 h 19 min
